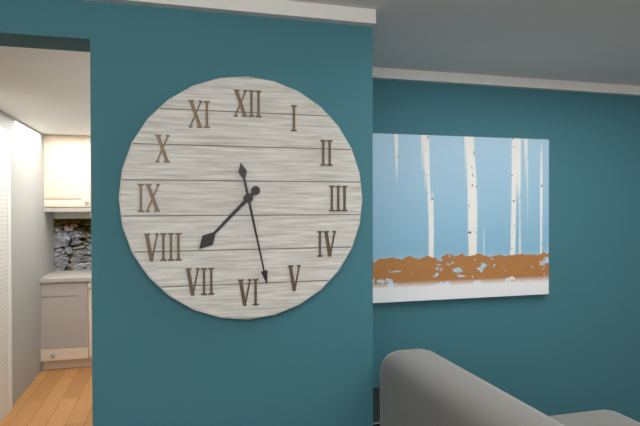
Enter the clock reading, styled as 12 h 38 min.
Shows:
7 h 28 min
